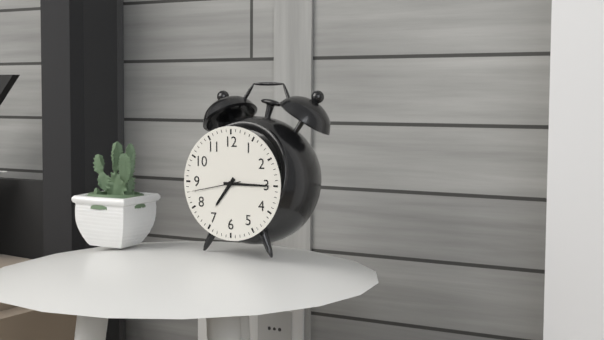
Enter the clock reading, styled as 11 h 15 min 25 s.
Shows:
7 h 15 min 43 s
